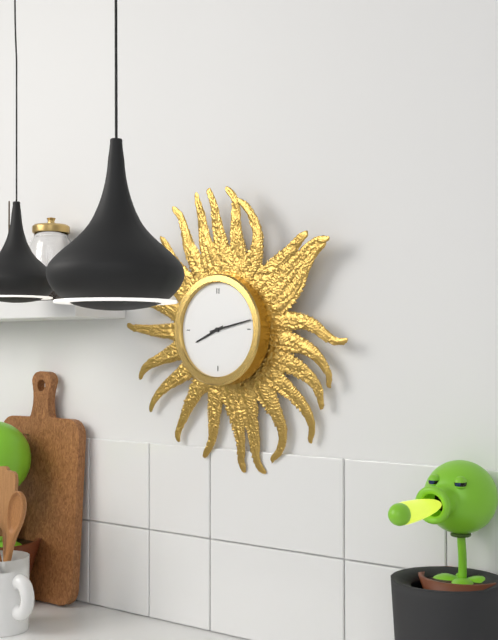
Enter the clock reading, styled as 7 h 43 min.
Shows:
8 h 13 min
